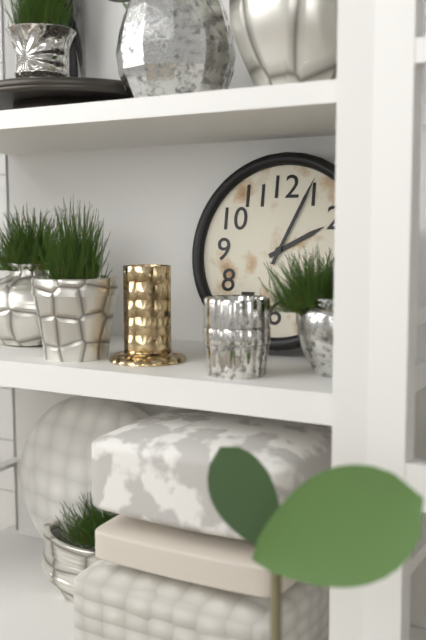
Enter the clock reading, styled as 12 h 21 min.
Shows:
2 h 04 min
